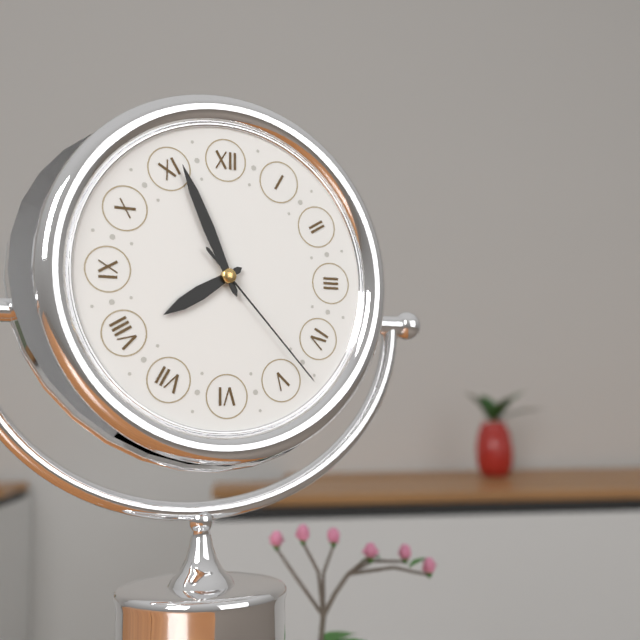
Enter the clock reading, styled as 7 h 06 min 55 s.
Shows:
7 h 56 min 23 s
